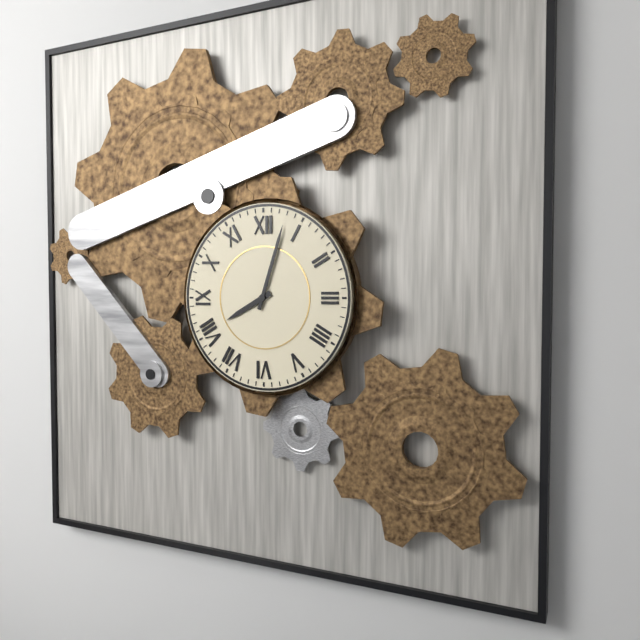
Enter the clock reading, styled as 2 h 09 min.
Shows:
8 h 03 min
